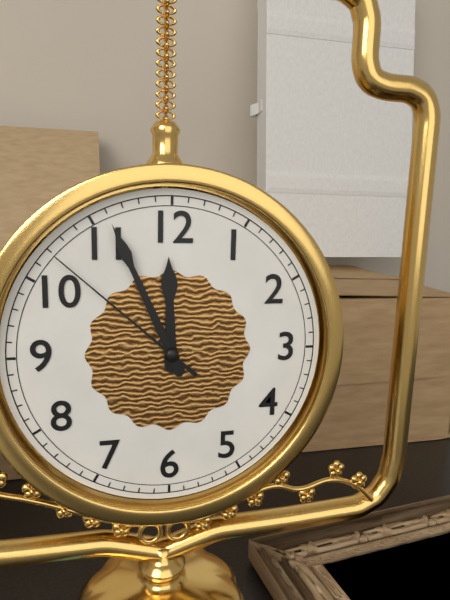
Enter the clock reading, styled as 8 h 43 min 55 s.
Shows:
11 h 56 min 52 s
